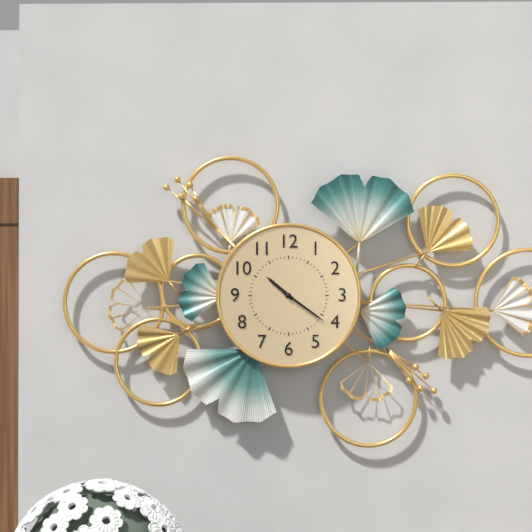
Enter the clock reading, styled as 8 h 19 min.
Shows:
10 h 21 min
